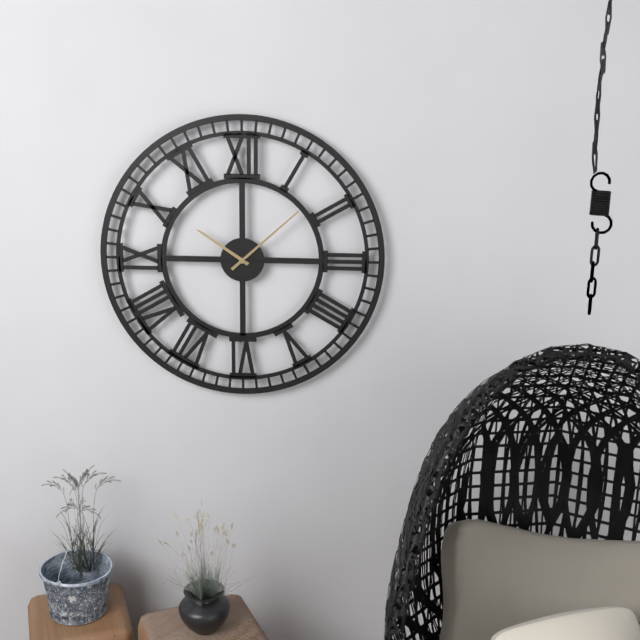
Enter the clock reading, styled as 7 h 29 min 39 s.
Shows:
10 h 08 min 45 s
